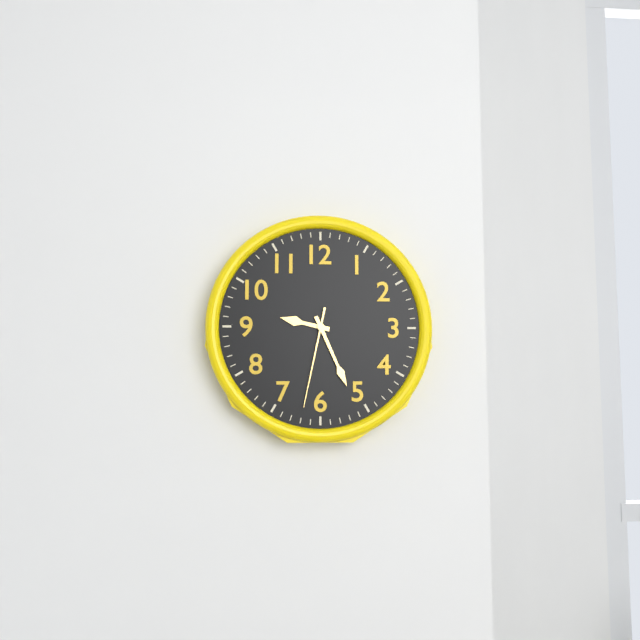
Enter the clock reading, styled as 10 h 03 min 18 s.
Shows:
9 h 26 min 32 s
